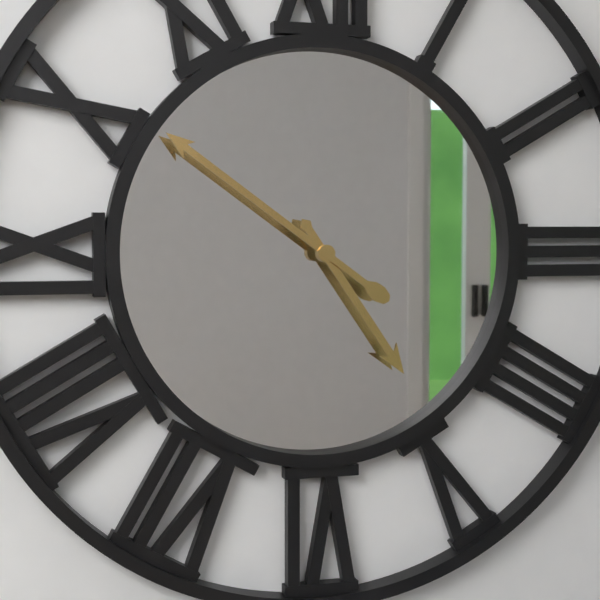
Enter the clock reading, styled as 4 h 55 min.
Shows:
4 h 51 min
